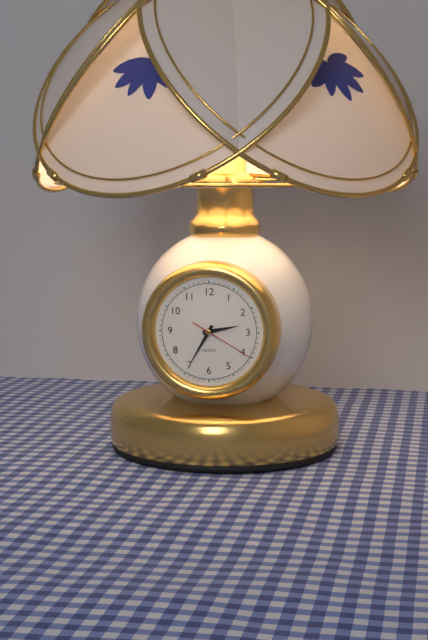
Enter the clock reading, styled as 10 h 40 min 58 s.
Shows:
2 h 35 min 20 s
